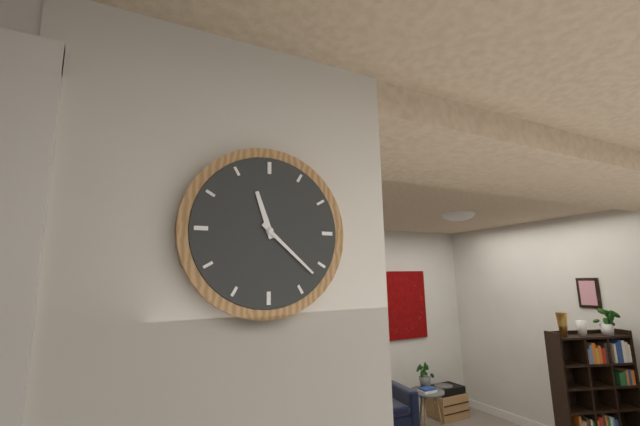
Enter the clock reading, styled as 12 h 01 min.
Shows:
11 h 22 min
